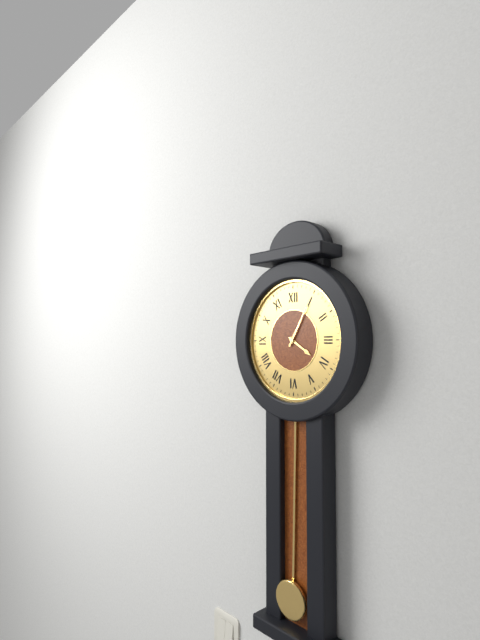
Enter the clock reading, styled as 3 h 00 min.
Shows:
4 h 05 min
